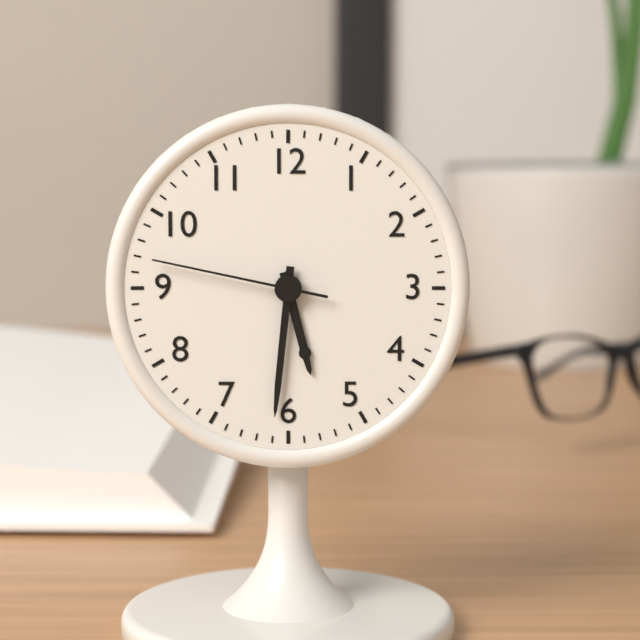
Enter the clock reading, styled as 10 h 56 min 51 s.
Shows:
5 h 31 min 47 s
